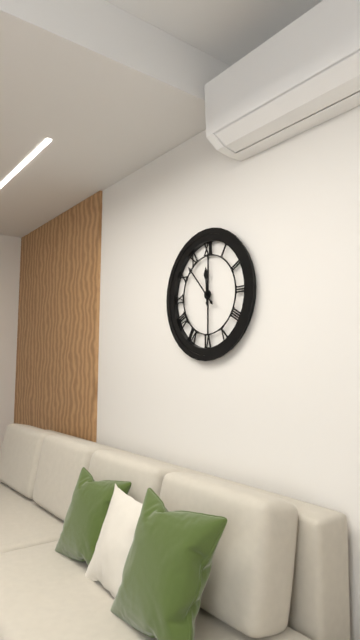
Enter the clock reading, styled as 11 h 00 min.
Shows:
11 h 53 min
